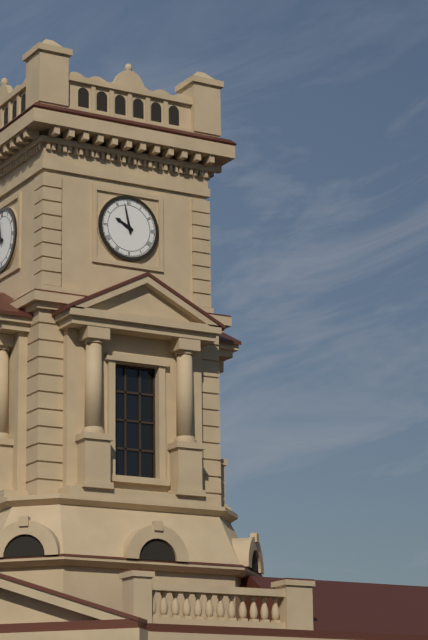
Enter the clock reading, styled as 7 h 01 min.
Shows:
9 h 58 min
